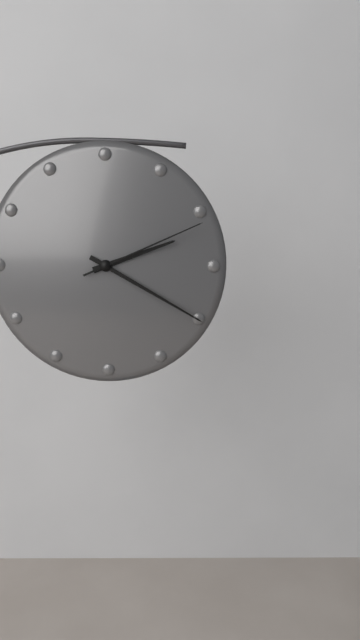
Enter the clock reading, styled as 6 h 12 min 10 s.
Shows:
2 h 20 min 11 s
